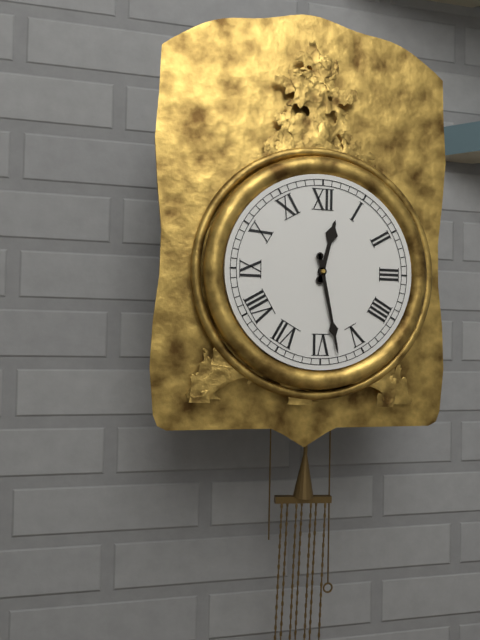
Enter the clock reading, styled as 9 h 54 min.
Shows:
12 h 28 min
